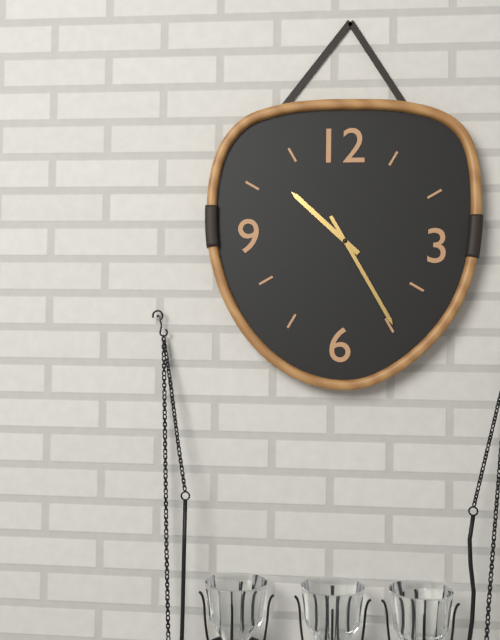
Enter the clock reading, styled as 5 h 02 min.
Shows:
10 h 25 min
